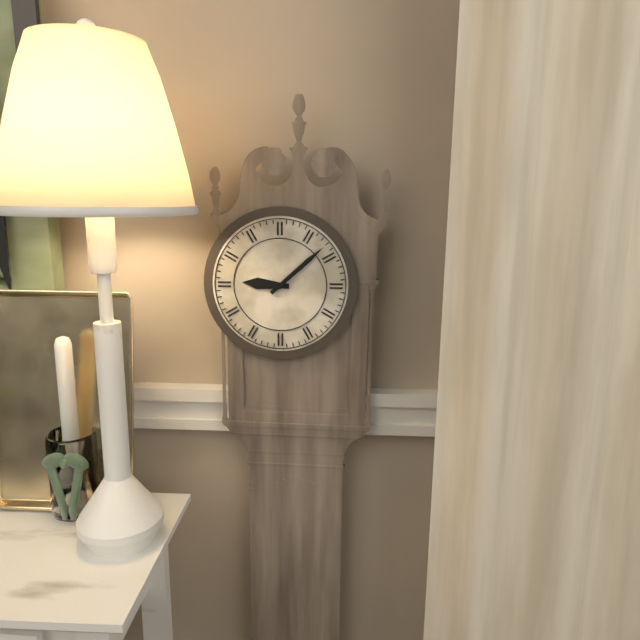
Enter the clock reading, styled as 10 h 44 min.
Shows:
9 h 08 min
